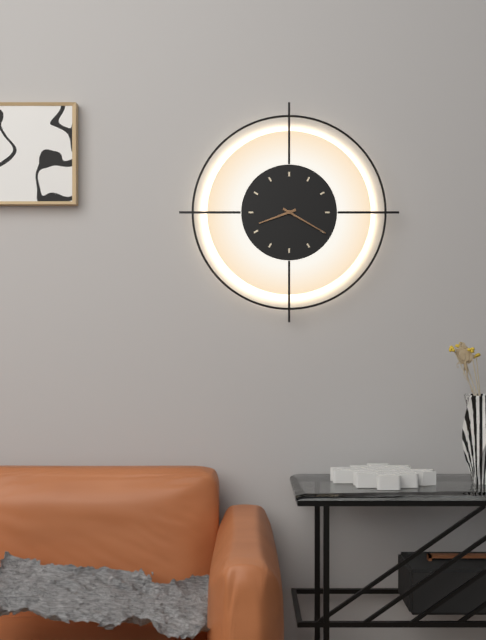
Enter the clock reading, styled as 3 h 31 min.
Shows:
8 h 20 min
